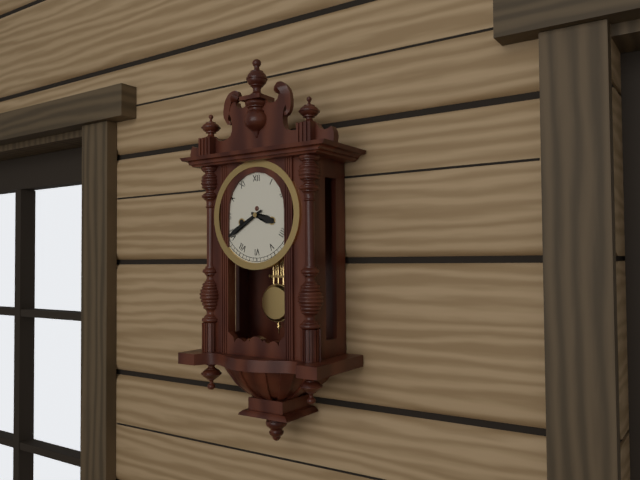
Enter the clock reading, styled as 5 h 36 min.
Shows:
3 h 40 min
